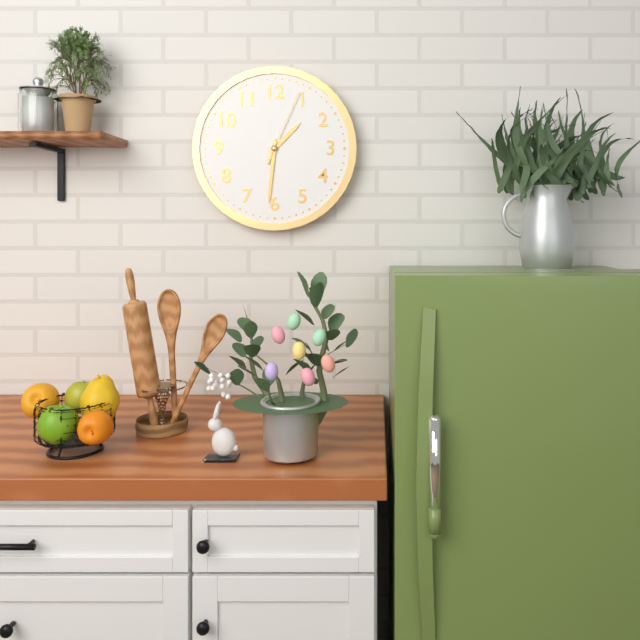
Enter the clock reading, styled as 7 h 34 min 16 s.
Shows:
1 h 31 min 04 s
